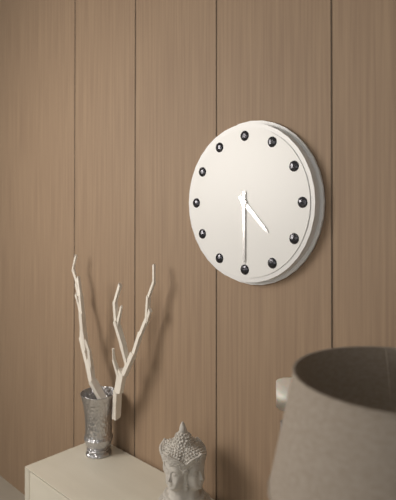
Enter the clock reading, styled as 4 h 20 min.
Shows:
4 h 30 min
